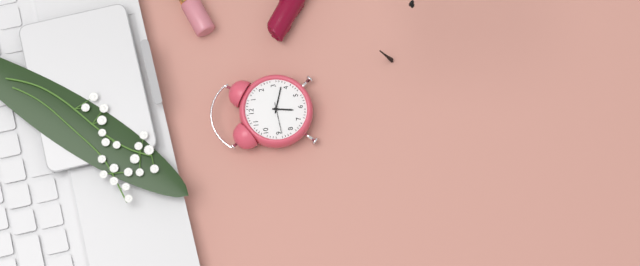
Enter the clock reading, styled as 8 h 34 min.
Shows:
6 h 18 min
